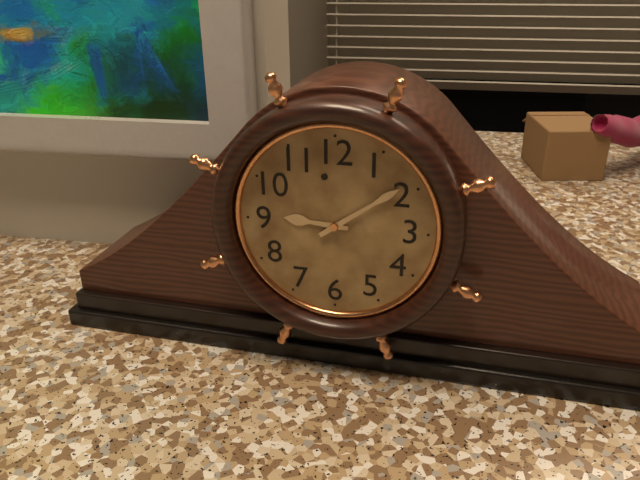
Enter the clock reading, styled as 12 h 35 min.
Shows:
9 h 09 min
